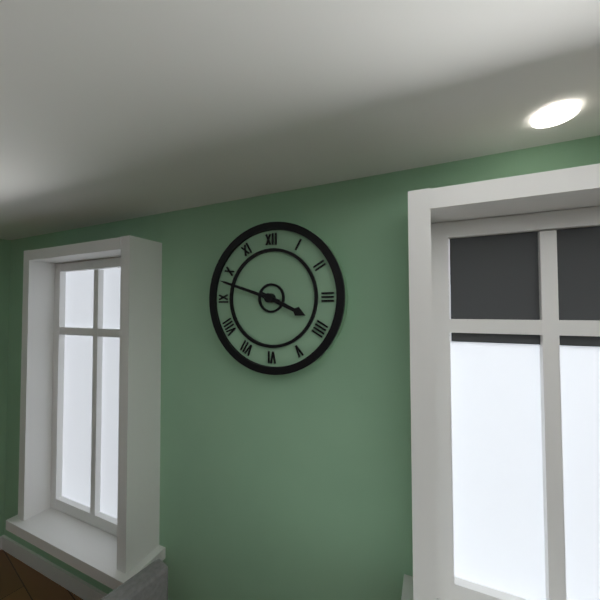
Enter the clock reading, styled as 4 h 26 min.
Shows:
3 h 48 min
